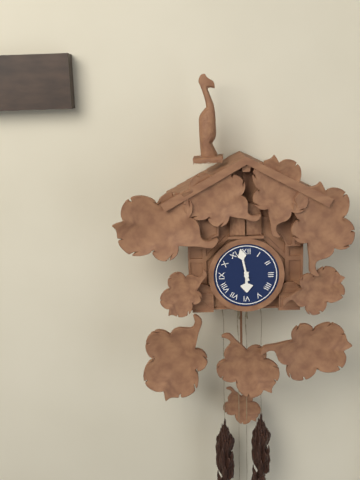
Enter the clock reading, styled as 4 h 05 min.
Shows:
5 h 58 min
